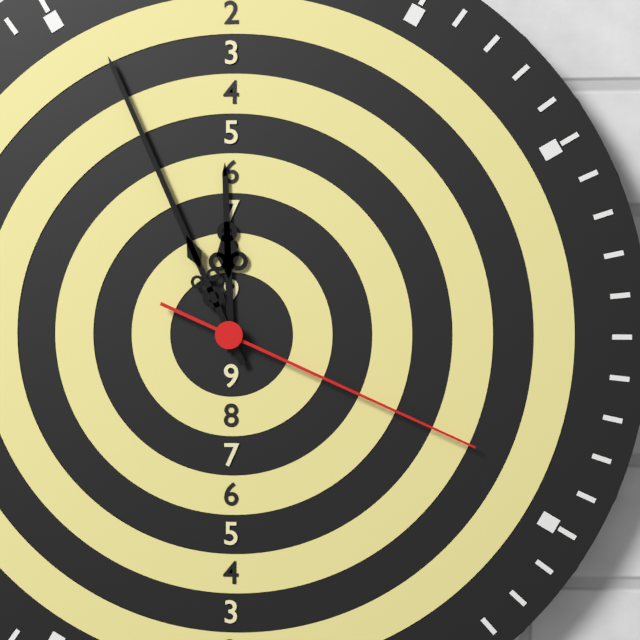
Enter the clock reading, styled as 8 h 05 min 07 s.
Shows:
11 h 56 min 19 s
